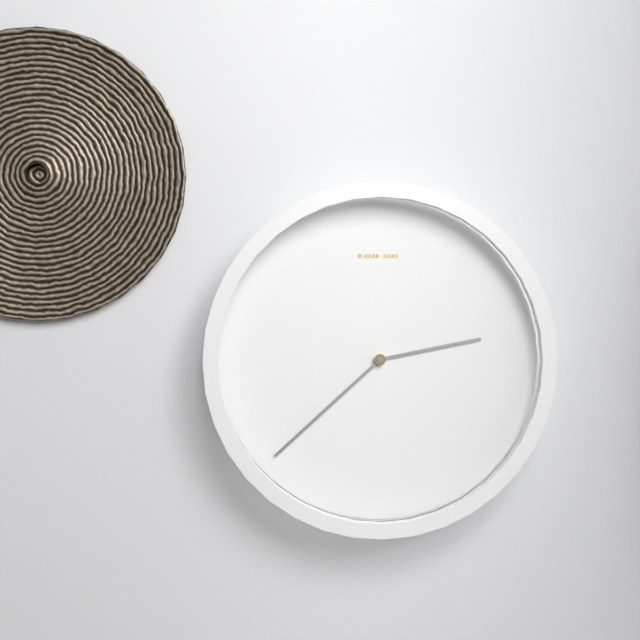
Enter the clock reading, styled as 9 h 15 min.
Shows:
2 h 38 min
